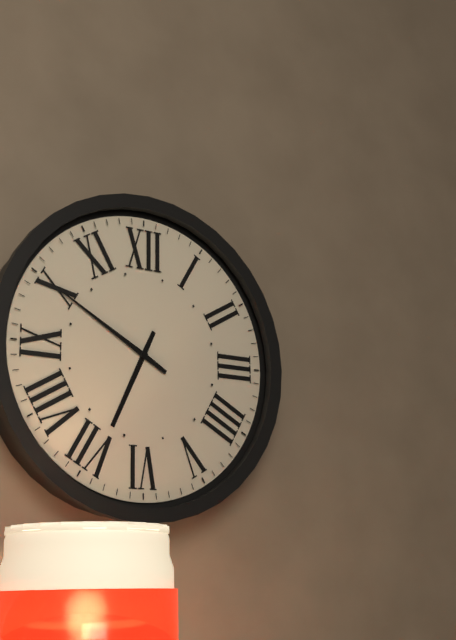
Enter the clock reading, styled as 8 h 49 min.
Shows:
6 h 50 min
